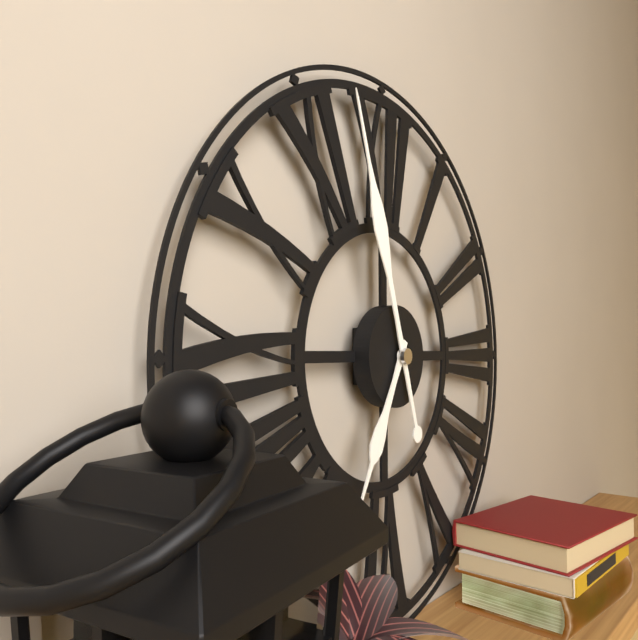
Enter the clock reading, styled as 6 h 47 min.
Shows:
6 h 57 min
